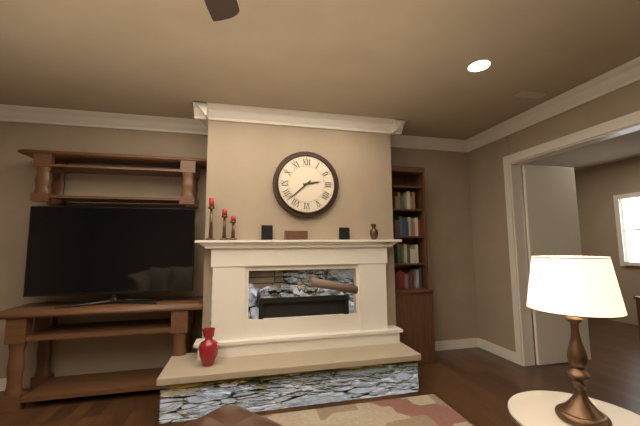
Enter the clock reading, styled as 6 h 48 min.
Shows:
2 h 38 min
